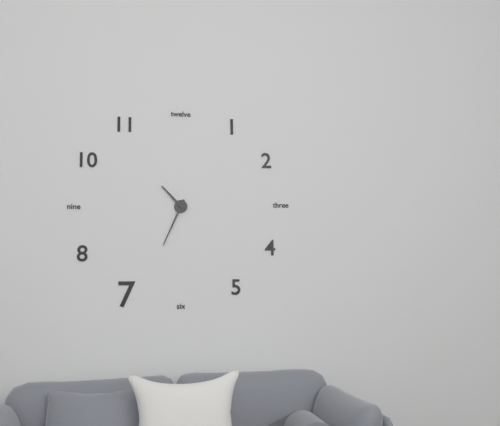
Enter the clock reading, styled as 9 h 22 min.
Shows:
10 h 34 min
